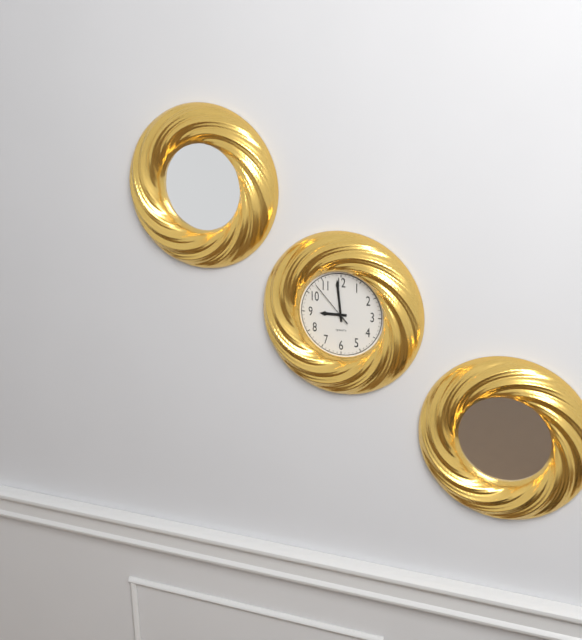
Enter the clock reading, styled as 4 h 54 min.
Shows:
8 h 59 min
